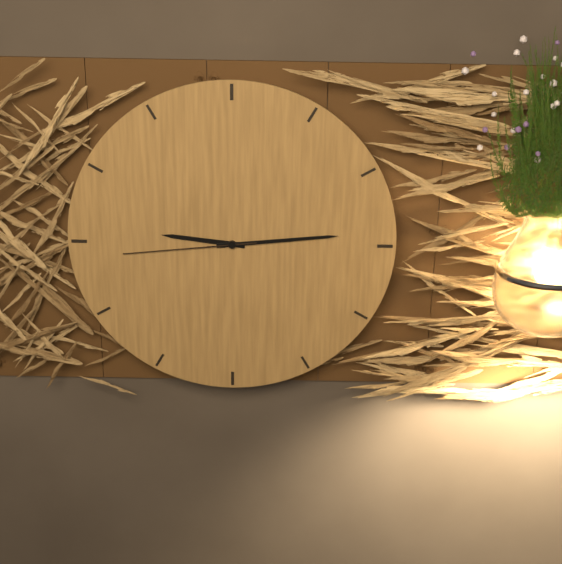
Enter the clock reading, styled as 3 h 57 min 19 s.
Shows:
9 h 14 min 44 s
